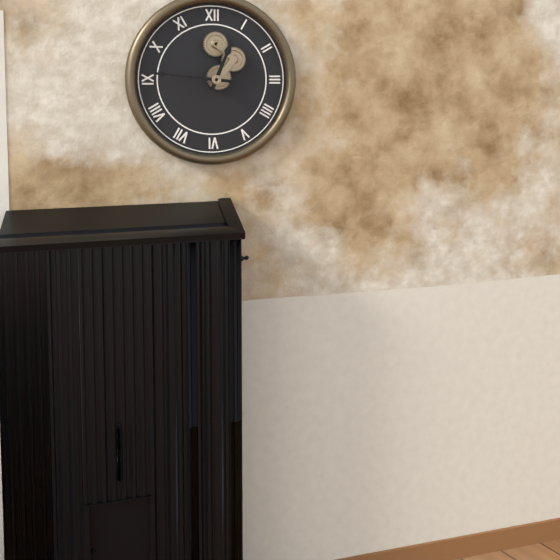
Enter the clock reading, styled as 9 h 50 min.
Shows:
12 h 46 min
